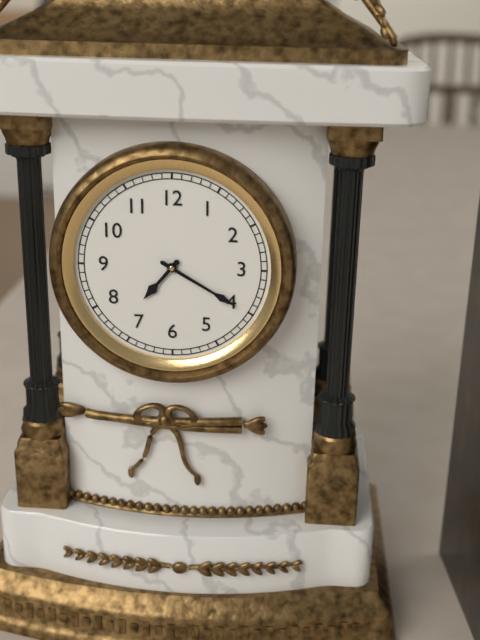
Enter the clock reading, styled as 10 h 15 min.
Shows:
7 h 20 min
